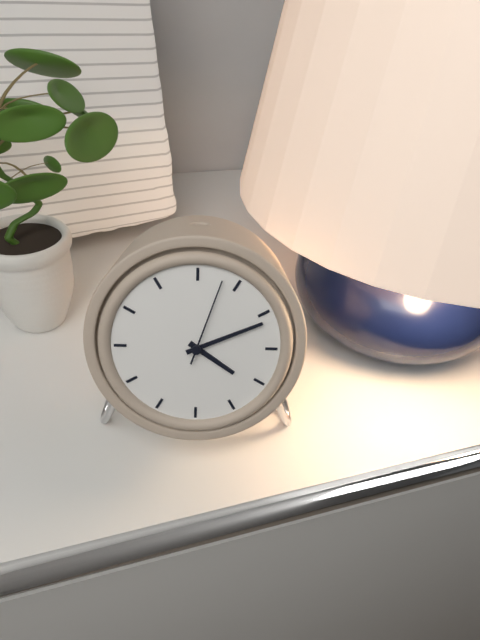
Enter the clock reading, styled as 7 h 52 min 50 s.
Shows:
4 h 11 min 03 s
